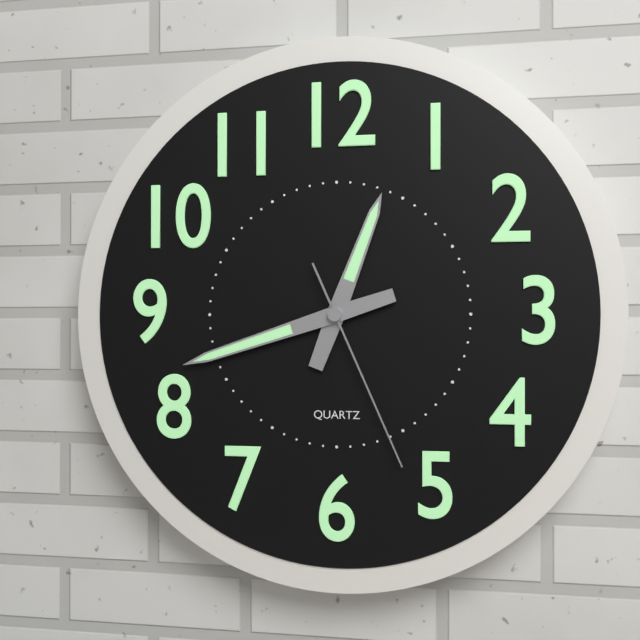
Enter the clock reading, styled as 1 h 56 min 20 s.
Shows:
12 h 42 min 26 s
